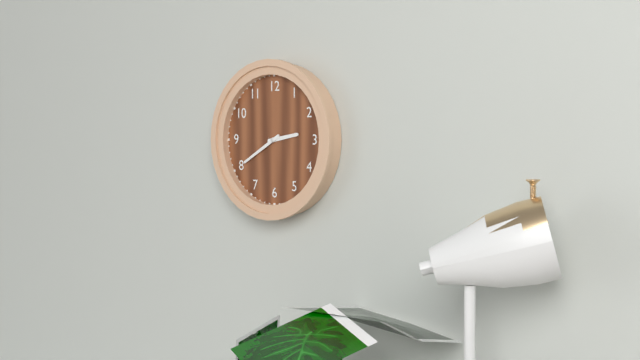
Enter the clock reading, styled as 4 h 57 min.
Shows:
2 h 40 min
